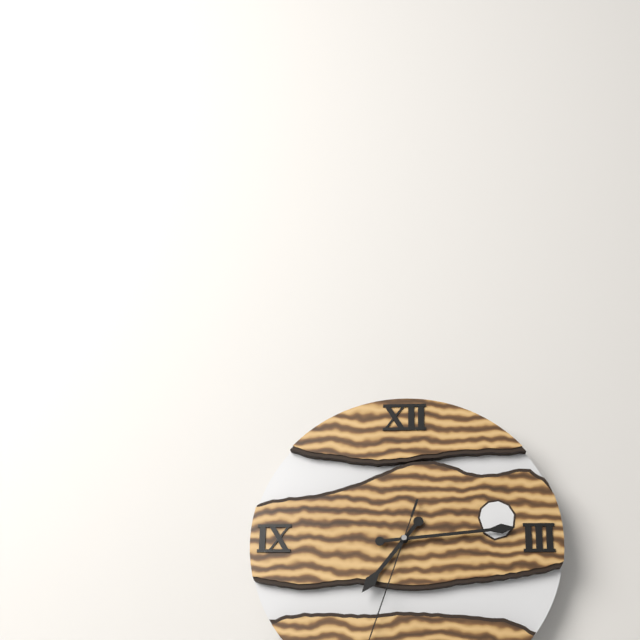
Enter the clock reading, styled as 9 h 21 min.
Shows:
7 h 14 min
